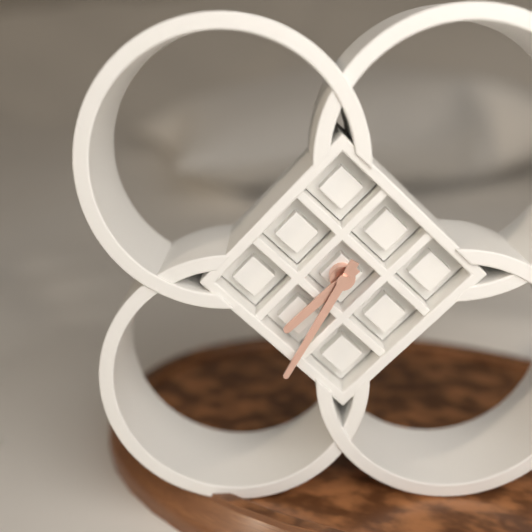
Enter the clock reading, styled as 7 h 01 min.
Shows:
7 h 35 min
